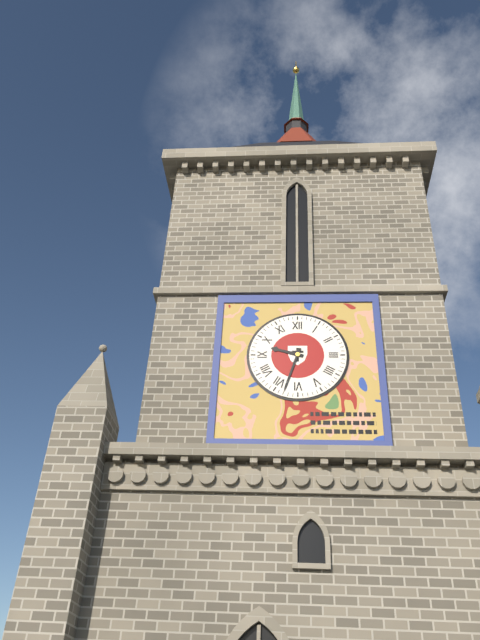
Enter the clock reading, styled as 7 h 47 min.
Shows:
9 h 33 min
